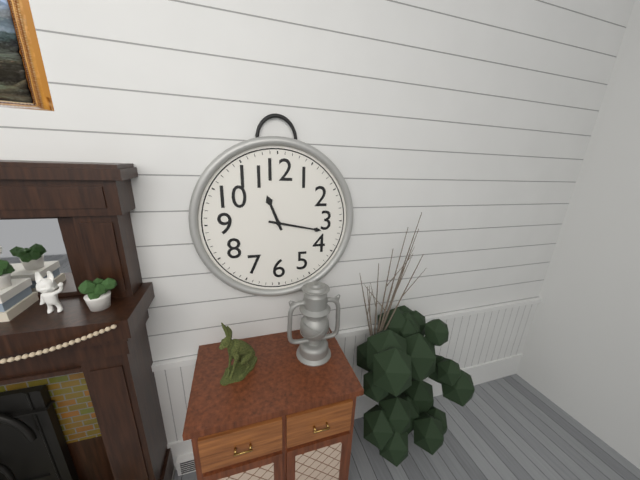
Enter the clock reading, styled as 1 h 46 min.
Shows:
11 h 17 min
